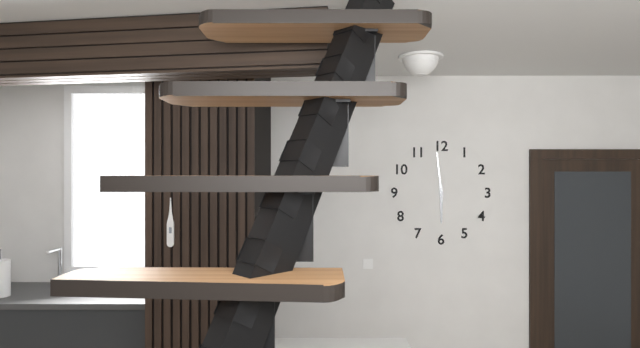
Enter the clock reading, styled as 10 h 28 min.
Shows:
5 h 59 min
